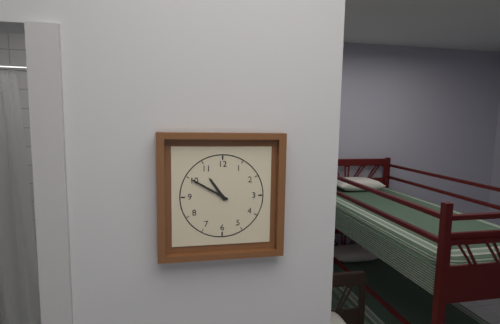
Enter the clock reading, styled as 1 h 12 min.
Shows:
10 h 50 min
